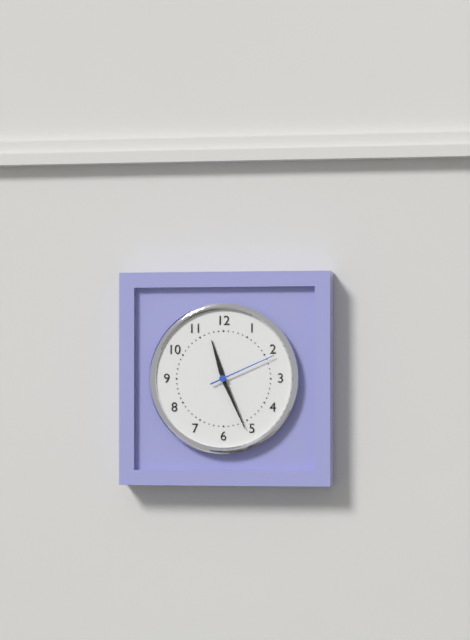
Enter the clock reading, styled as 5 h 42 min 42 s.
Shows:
11 h 26 min 11 s
